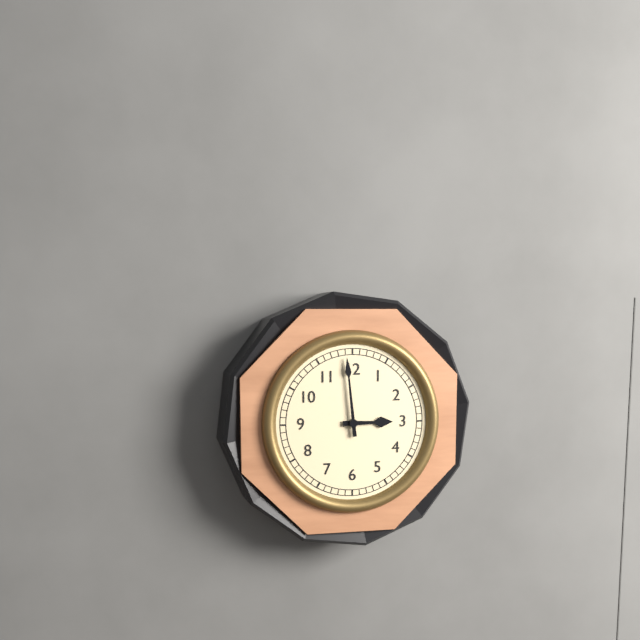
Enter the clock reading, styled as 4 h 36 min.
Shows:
2 h 59 min
